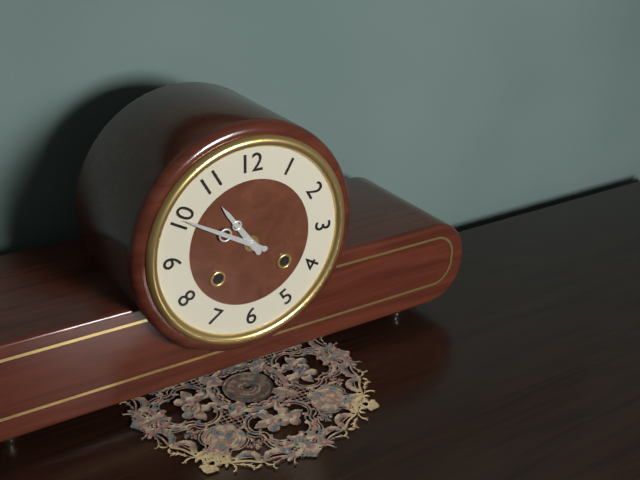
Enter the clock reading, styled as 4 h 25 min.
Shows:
10 h 50 min
